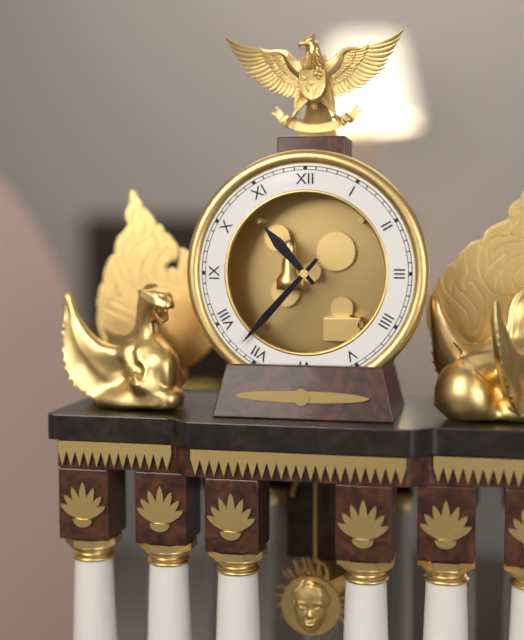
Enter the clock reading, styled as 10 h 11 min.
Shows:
10 h 37 min
